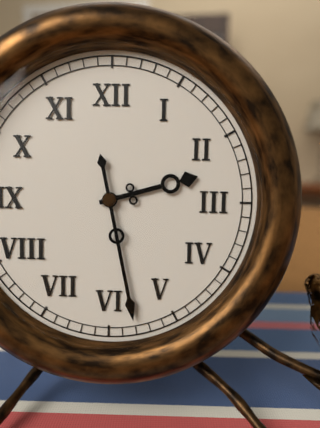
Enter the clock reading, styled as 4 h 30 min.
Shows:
2 h 28 min
